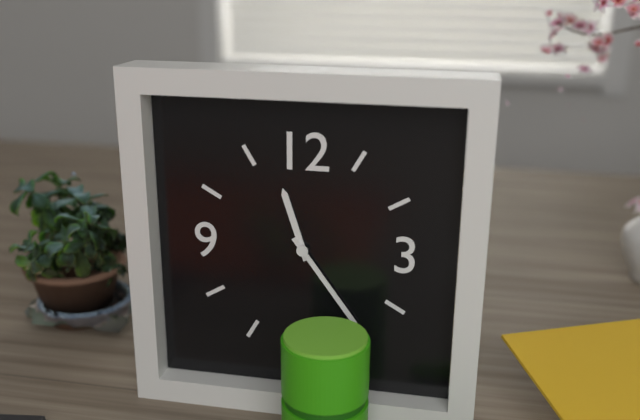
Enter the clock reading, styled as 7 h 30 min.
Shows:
11 h 24 min
